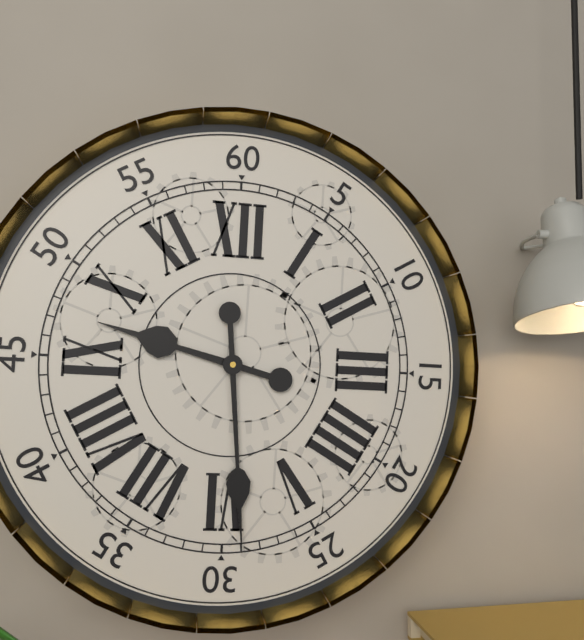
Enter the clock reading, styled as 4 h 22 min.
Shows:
9 h 29 min
